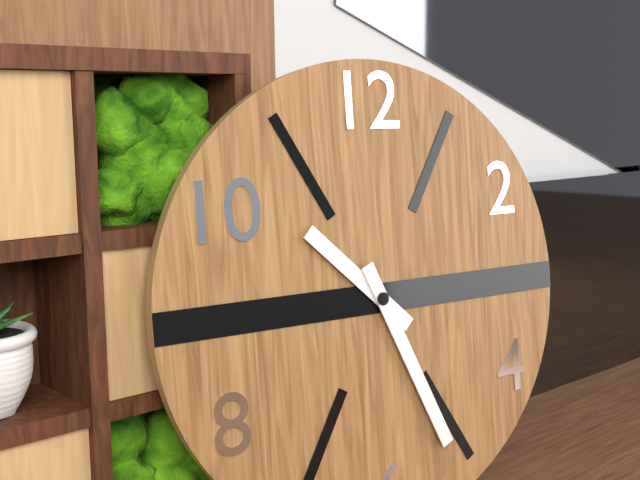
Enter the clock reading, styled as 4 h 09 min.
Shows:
10 h 26 min
